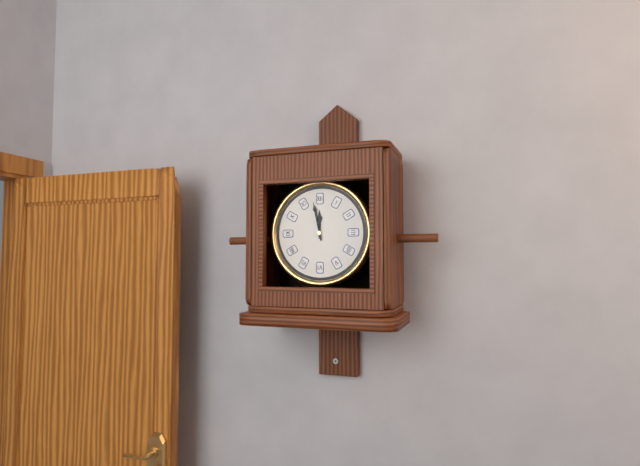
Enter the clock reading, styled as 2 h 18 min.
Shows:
11 h 58 min
